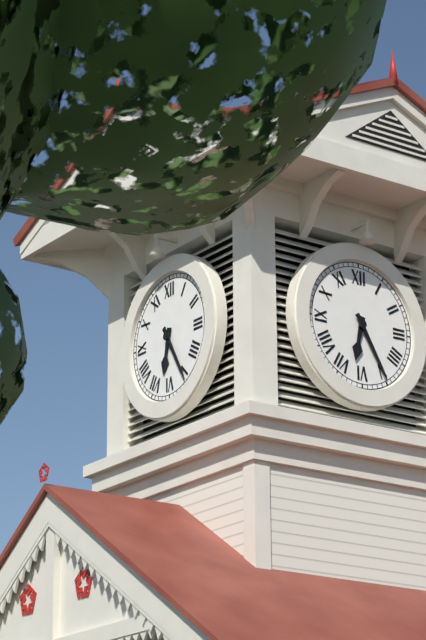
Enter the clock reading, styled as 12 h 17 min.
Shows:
6 h 25 min
